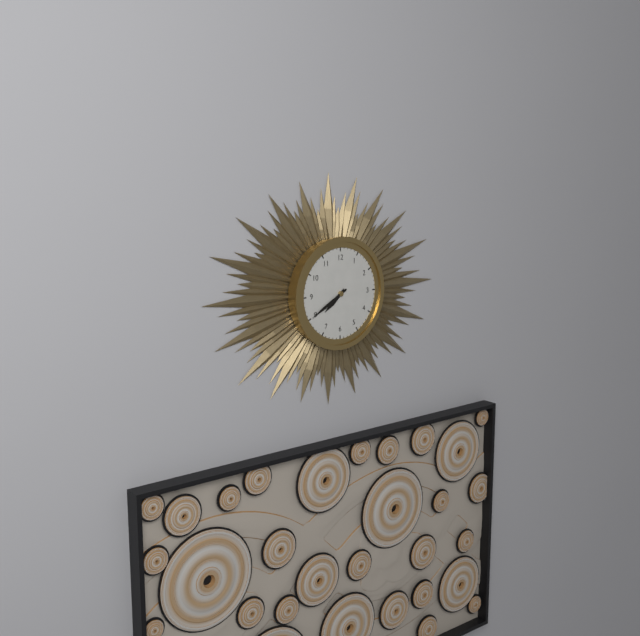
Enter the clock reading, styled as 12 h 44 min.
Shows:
7 h 40 min
